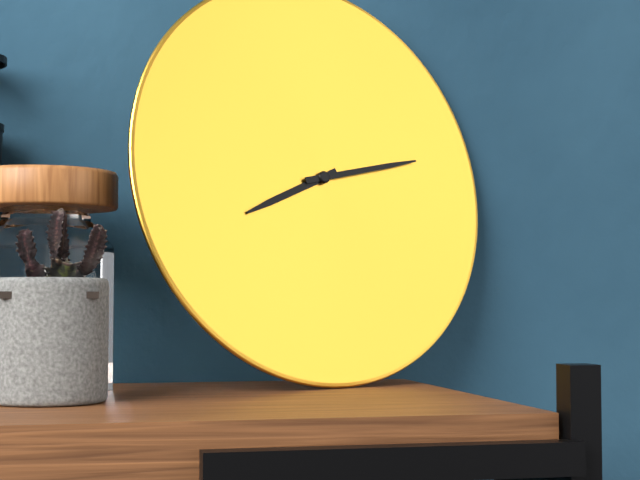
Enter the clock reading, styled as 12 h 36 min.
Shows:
8 h 13 min
